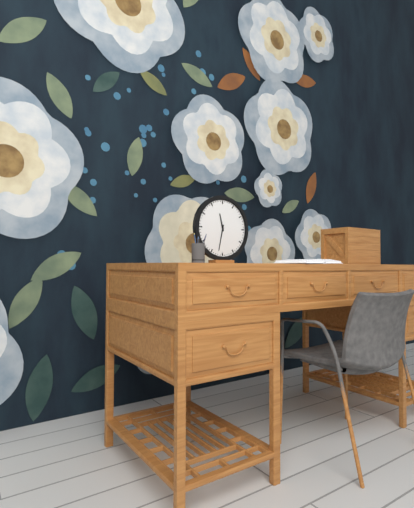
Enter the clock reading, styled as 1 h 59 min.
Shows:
11 h 32 min
